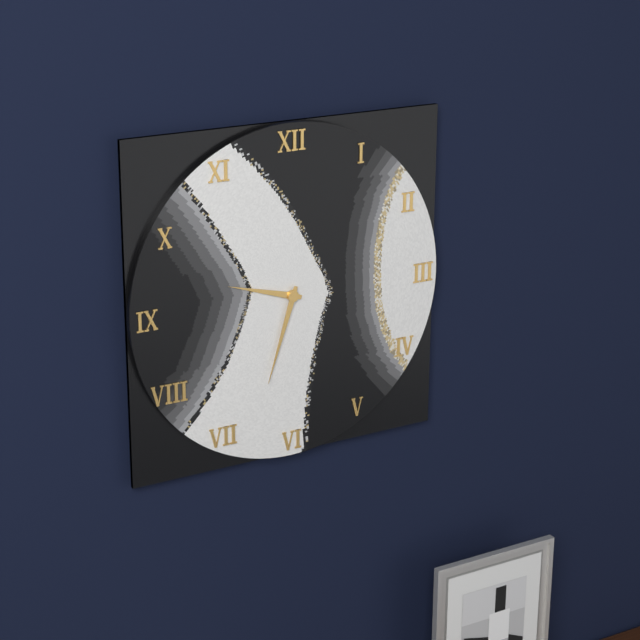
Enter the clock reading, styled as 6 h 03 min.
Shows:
9 h 33 min
